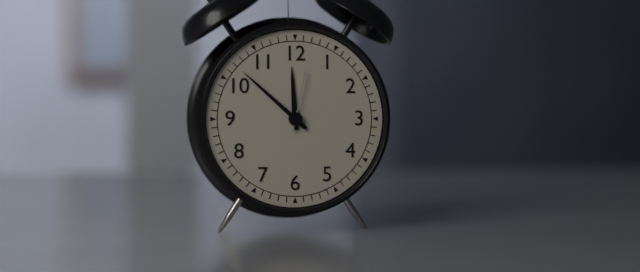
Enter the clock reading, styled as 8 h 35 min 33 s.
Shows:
11 h 52 min 02 s
